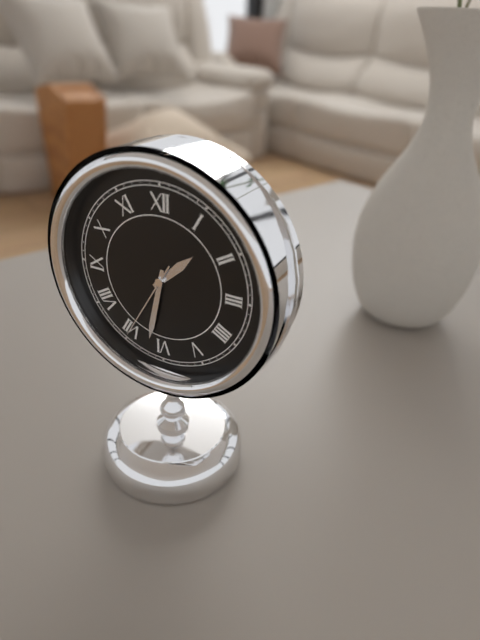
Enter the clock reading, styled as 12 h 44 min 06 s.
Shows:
1 h 32 min 35 s
